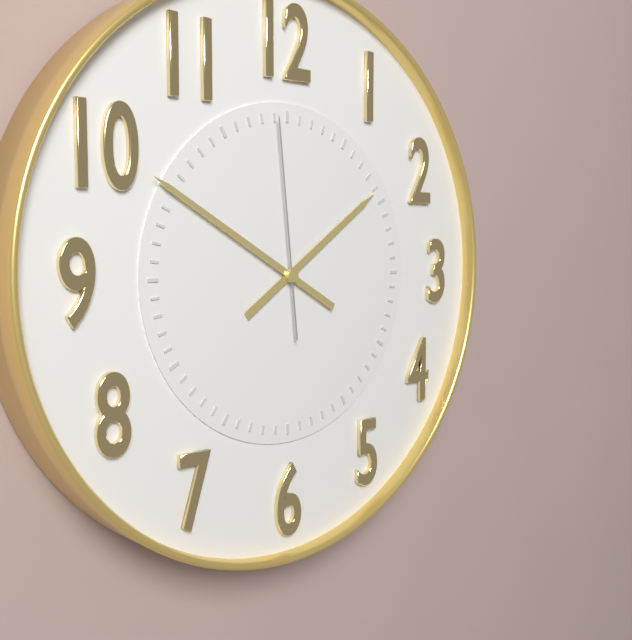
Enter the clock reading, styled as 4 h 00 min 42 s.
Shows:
1 h 50 min 59 s
